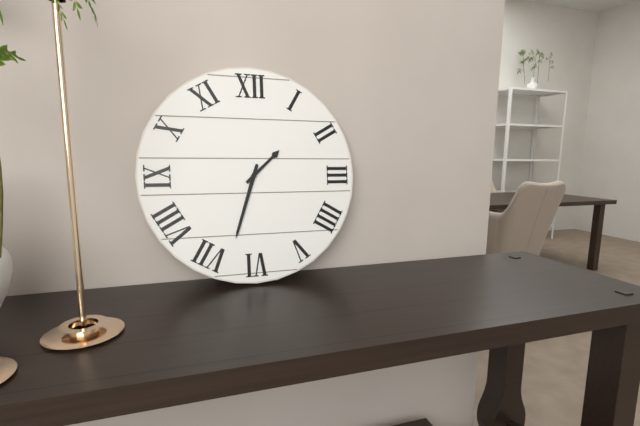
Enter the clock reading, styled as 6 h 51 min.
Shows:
1 h 33 min
